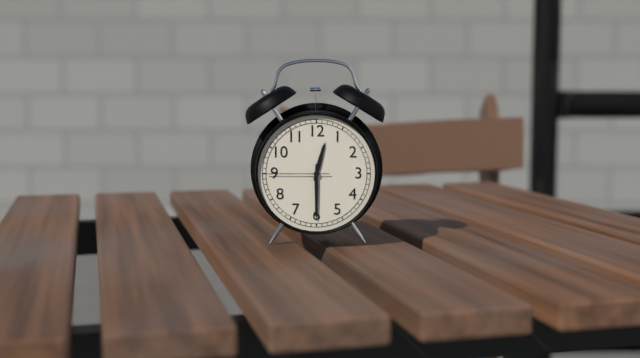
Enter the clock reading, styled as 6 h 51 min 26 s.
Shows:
12 h 30 min 45 s
